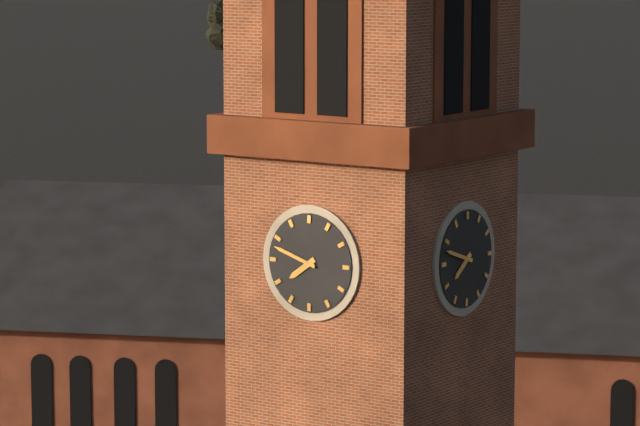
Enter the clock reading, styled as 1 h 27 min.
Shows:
7 h 48 min
